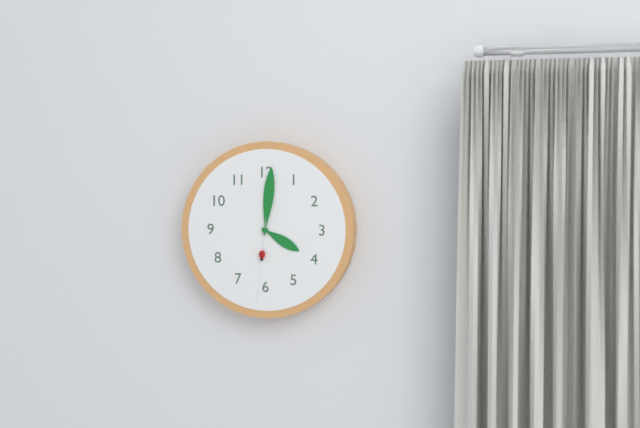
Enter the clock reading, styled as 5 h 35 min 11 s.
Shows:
4 h 01 min 31 s
